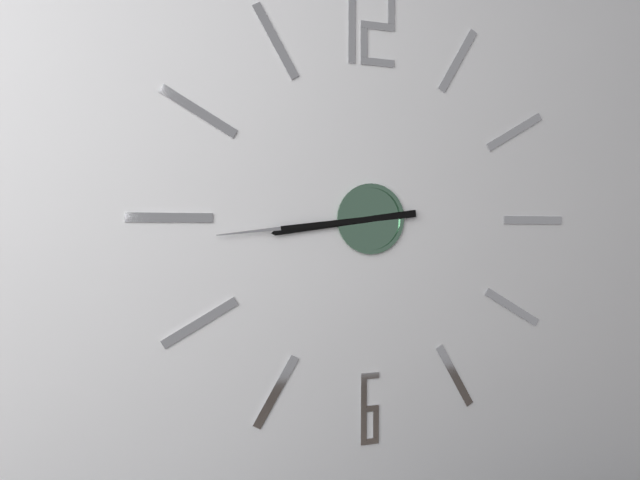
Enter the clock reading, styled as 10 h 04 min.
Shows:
8 h 44 min
